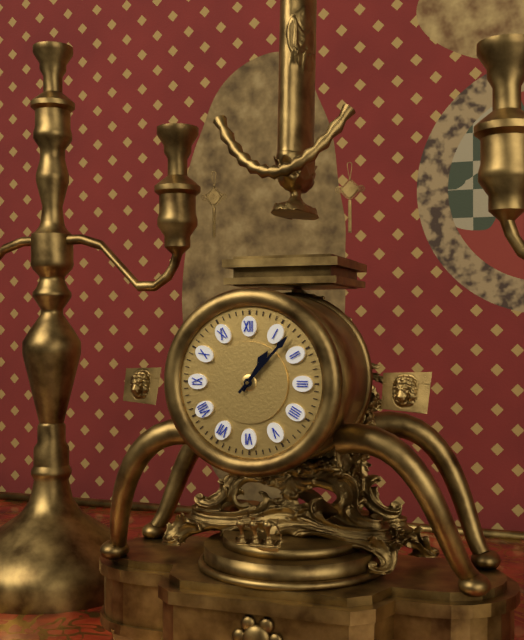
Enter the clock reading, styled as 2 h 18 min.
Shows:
1 h 07 min
